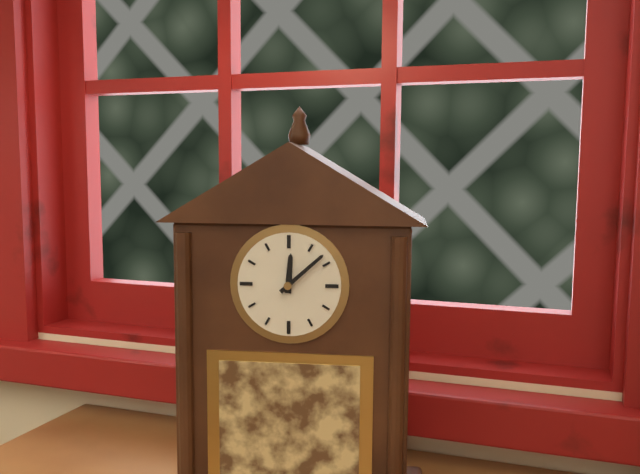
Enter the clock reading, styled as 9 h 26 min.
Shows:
12 h 08 min
